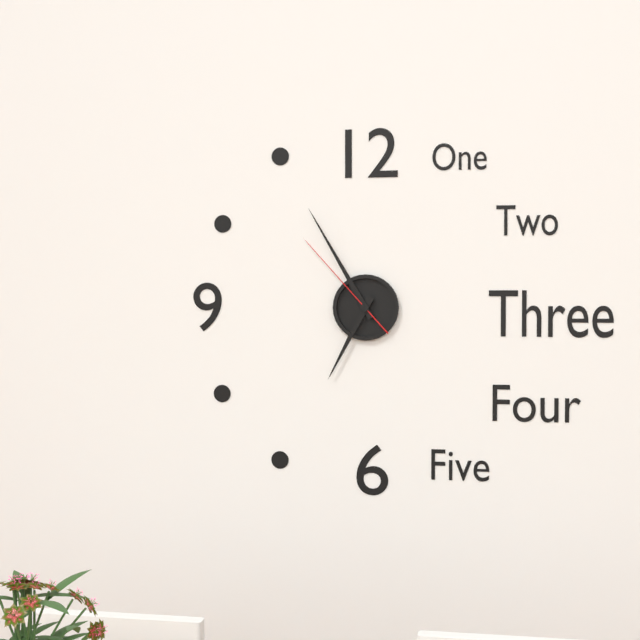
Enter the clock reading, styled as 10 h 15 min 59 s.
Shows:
6 h 55 min 53 s
